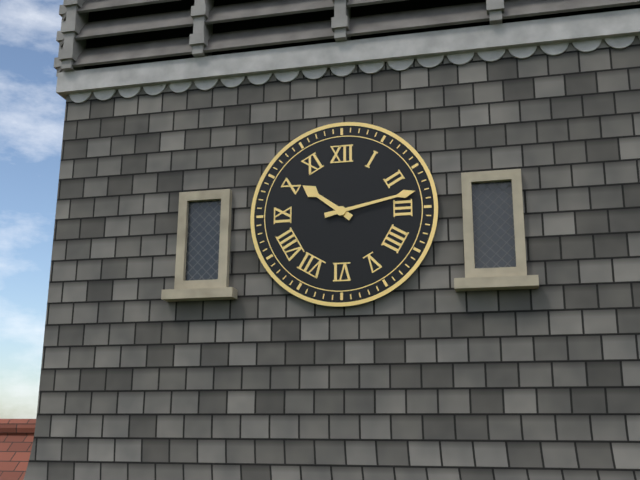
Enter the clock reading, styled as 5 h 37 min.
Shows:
10 h 13 min
